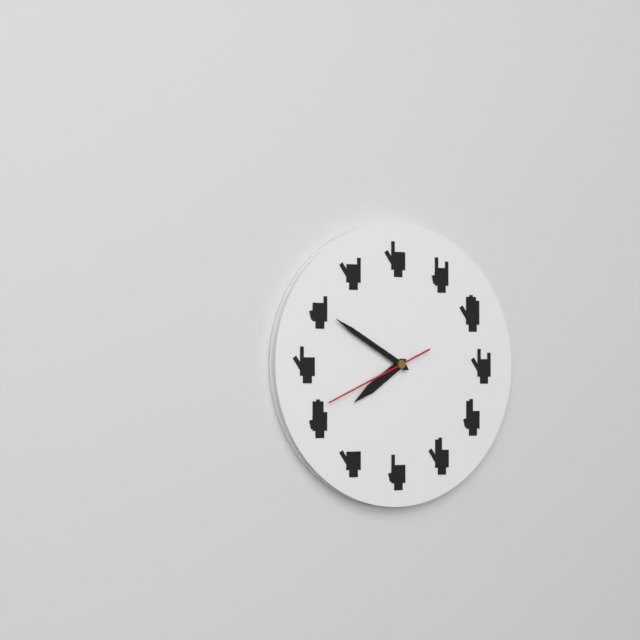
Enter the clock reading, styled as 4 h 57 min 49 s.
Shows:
7 h 50 min 41 s
